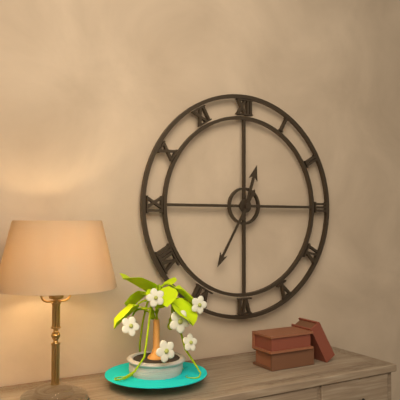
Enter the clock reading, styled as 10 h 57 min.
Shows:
12 h 35 min
